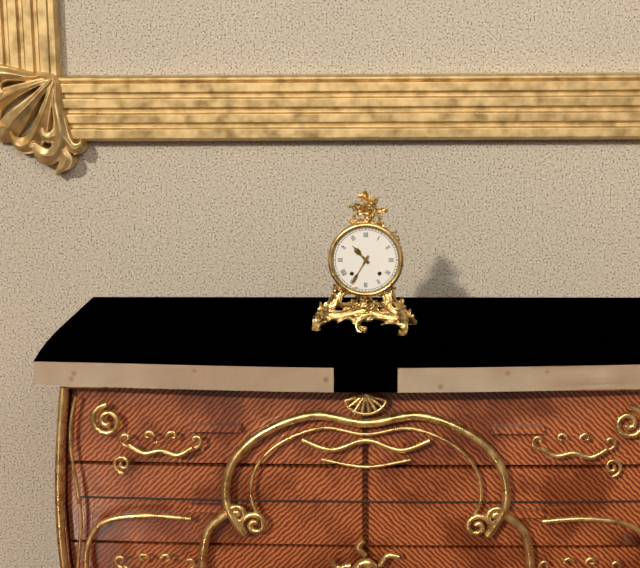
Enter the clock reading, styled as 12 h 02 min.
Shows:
10 h 35 min
